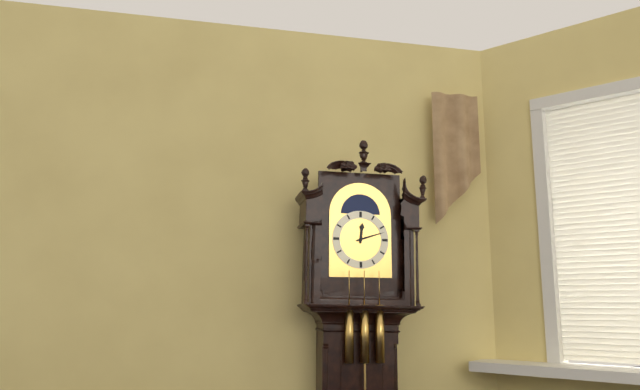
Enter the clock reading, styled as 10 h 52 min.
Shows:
12 h 12 min
